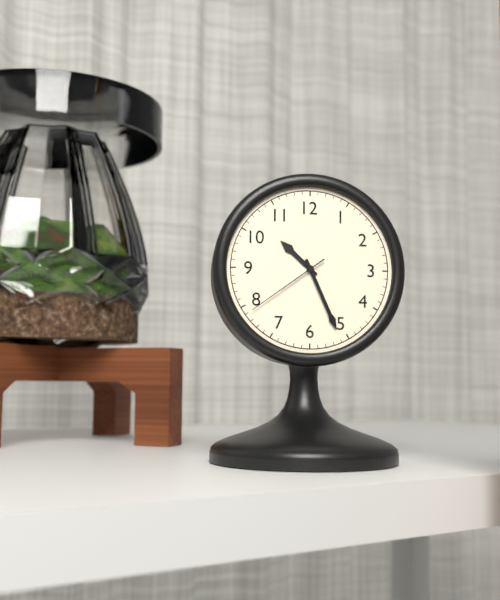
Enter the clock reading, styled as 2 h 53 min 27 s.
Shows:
10 h 26 min 39 s
